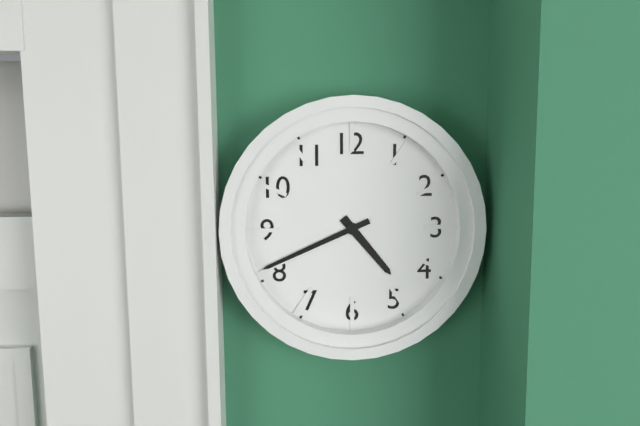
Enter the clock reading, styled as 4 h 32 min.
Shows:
4 h 41 min
